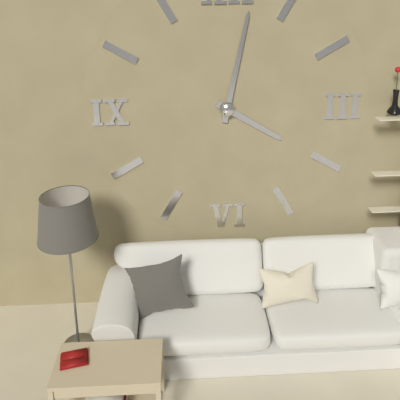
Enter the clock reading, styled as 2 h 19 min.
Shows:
4 h 02 min
